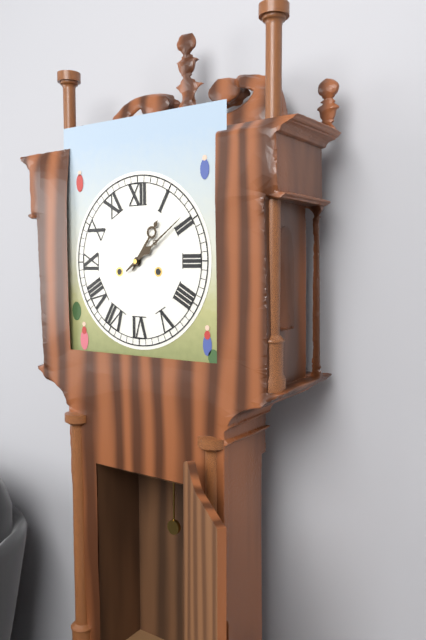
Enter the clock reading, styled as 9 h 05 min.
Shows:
1 h 09 min
